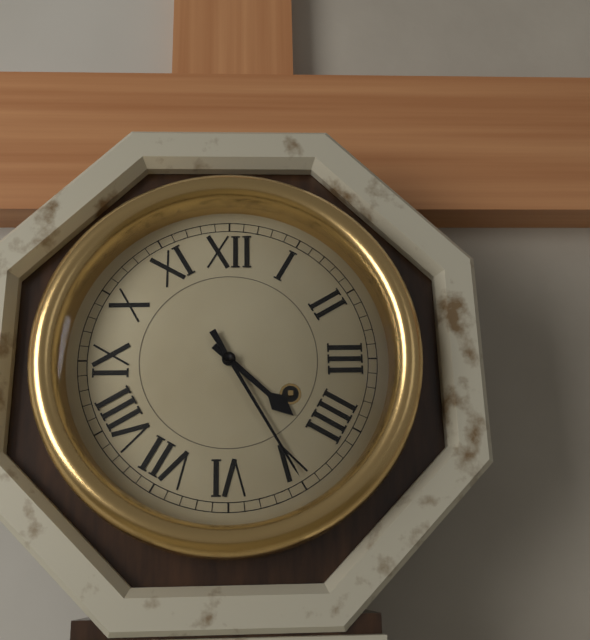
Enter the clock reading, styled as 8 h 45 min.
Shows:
4 h 25 min
